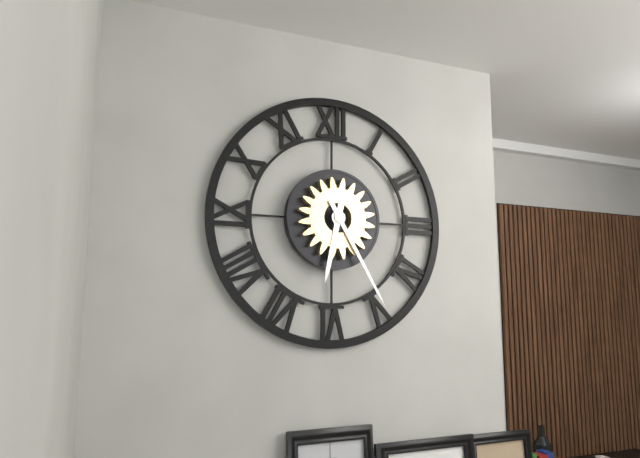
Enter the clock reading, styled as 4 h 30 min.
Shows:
6 h 25 min
